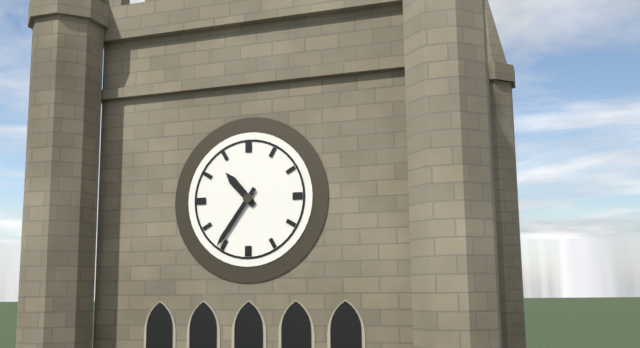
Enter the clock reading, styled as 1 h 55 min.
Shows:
10 h 36 min
